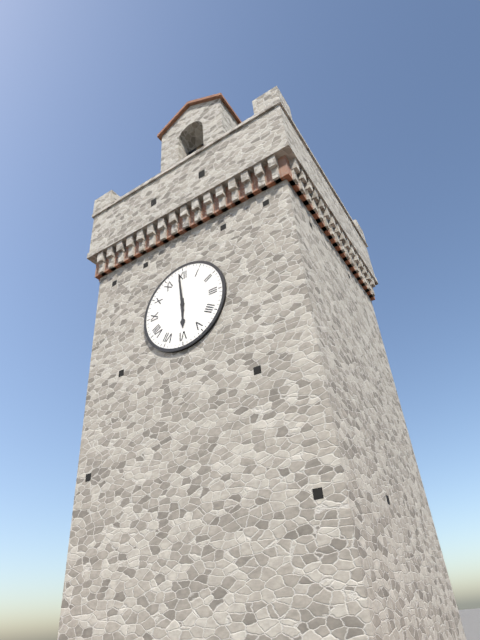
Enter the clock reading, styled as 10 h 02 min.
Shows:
5 h 59 min
